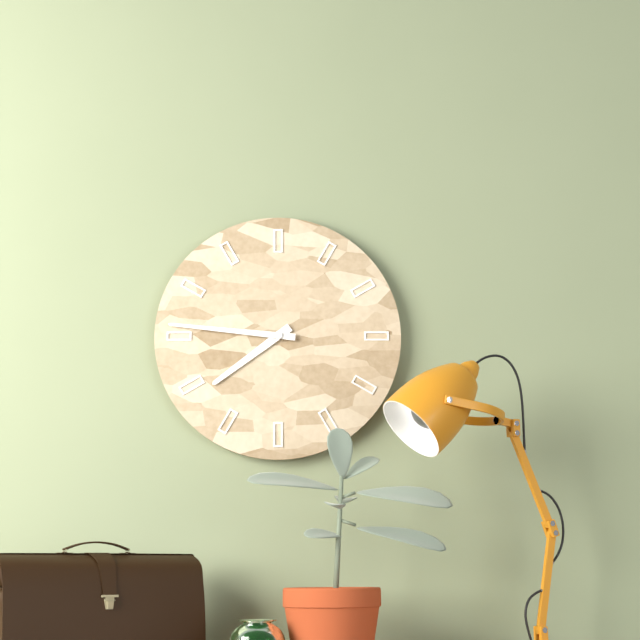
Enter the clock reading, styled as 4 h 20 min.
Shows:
7 h 46 min
